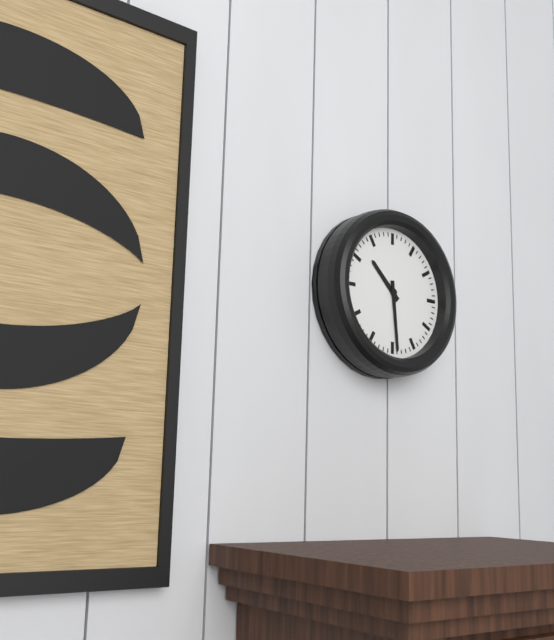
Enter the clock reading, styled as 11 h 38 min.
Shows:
10 h 29 min
